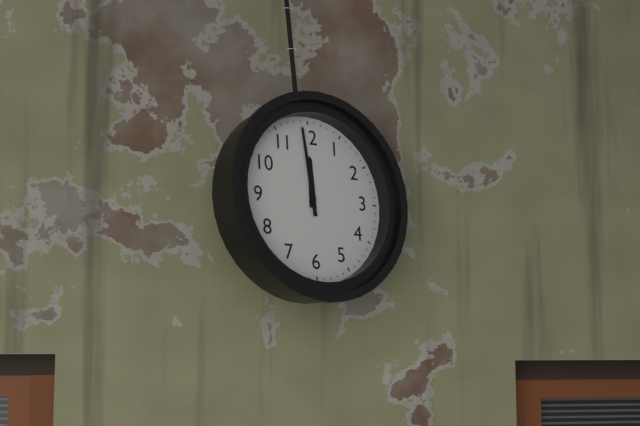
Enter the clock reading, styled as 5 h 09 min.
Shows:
11 h 59 min
